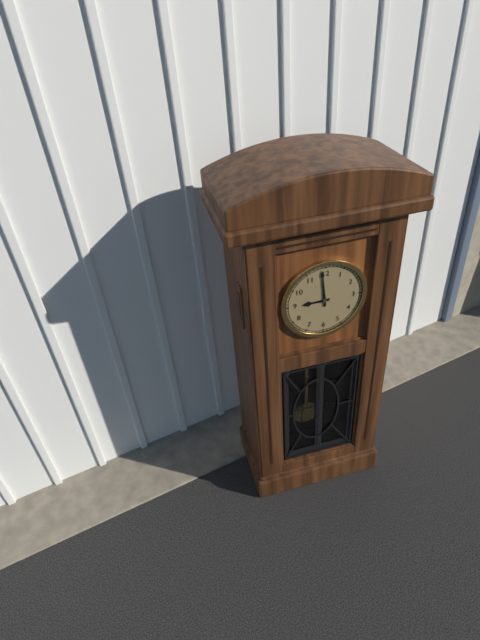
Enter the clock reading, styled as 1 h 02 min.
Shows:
8 h 59 min
